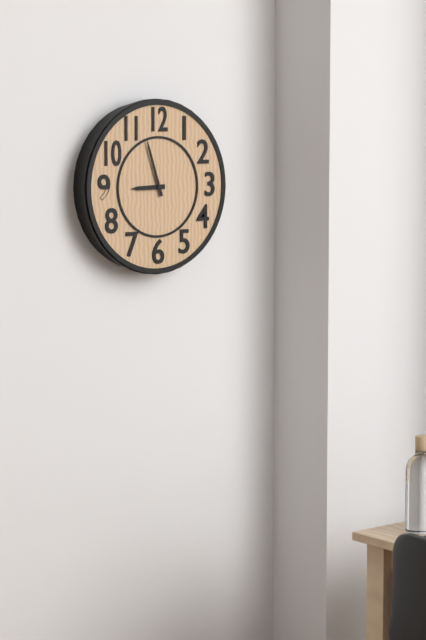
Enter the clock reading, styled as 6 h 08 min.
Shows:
8 h 57 min
